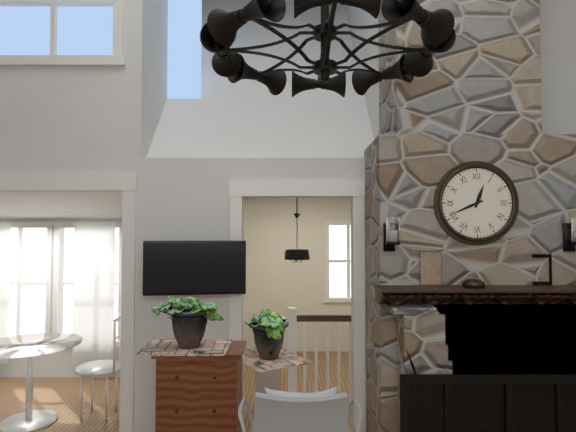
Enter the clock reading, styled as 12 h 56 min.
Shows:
12 h 41 min
